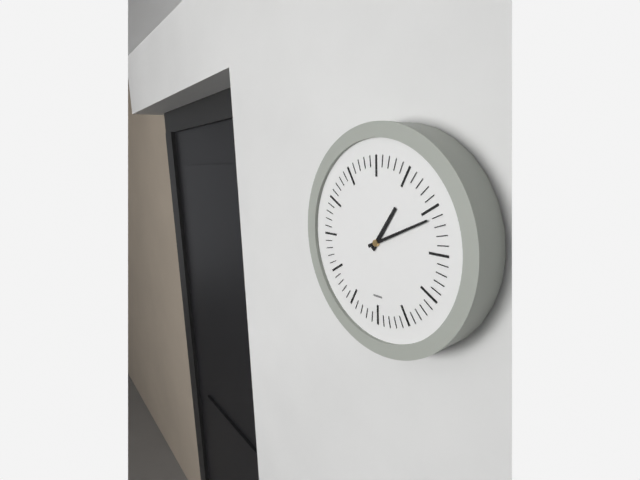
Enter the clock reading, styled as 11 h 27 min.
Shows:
1 h 11 min
